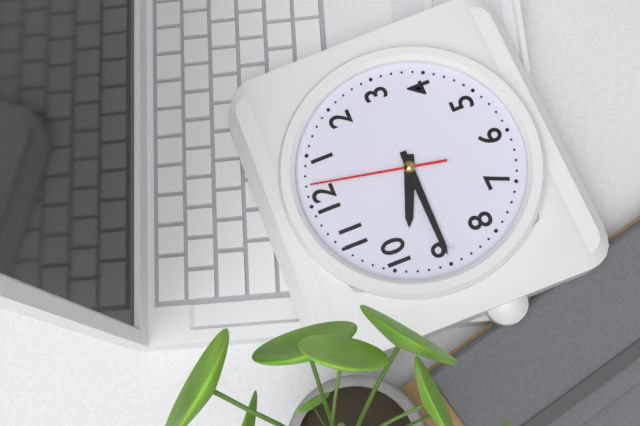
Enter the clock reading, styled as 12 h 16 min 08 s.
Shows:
9 h 45 min 02 s
